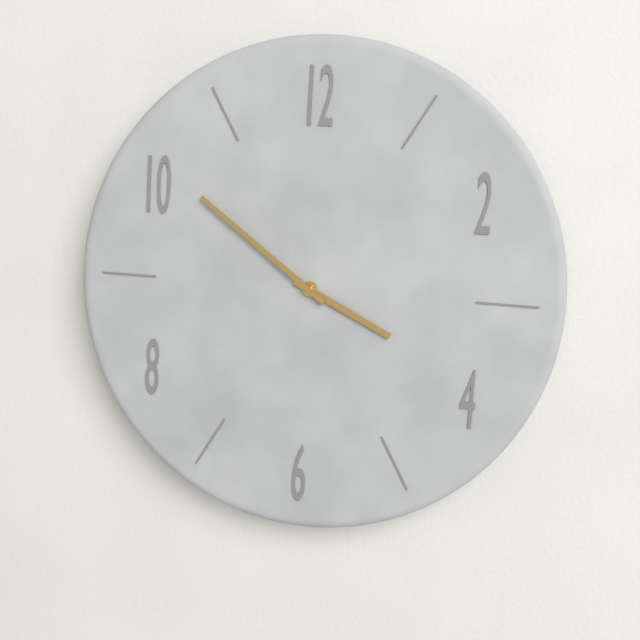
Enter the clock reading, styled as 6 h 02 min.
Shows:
3 h 51 min
